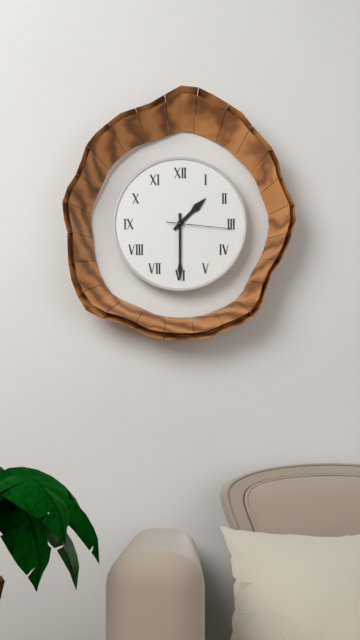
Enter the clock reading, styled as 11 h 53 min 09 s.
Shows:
1 h 30 min 16 s
